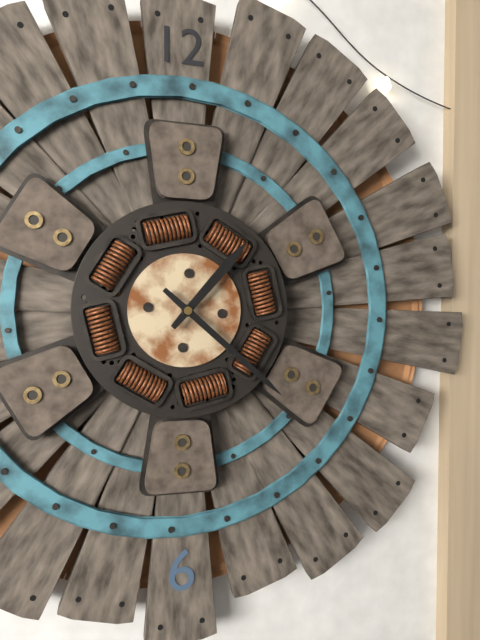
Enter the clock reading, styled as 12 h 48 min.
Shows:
1 h 22 min
